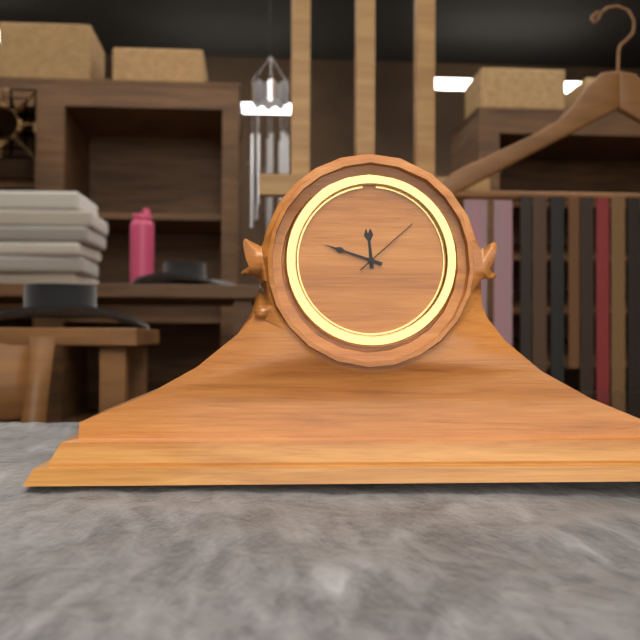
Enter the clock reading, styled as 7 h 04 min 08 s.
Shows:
11 h 48 min 08 s
